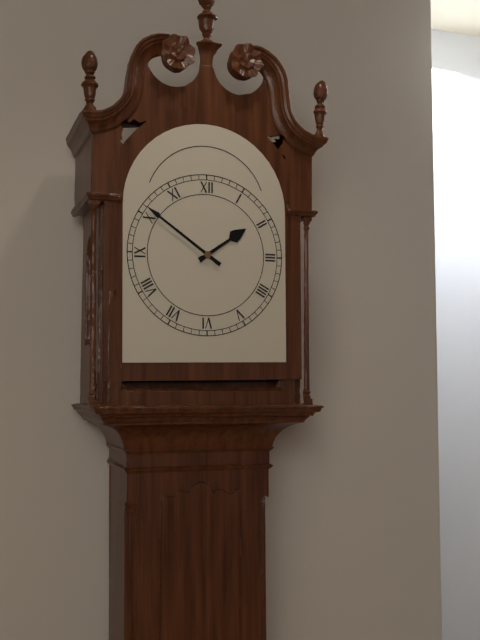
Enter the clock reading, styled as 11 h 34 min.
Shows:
1 h 51 min
